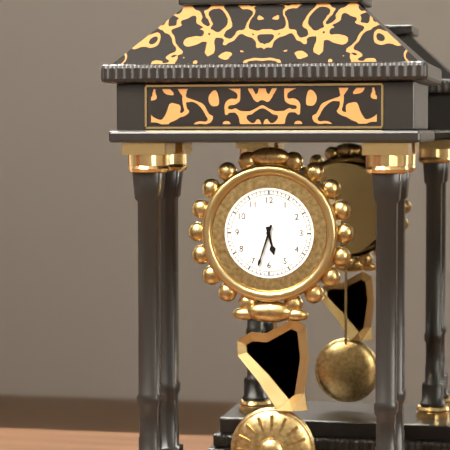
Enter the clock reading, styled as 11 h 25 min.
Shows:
5 h 33 min
